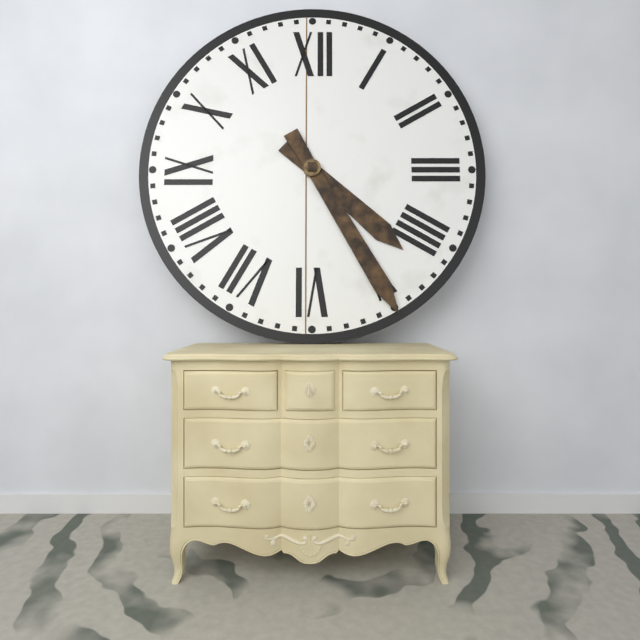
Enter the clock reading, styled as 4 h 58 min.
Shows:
4 h 25 min
